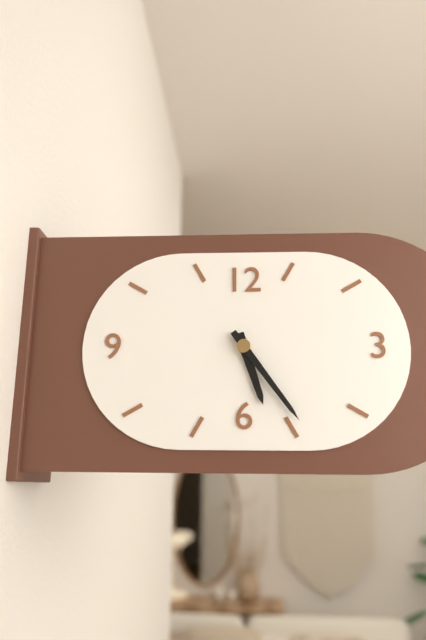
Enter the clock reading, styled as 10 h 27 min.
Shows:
5 h 24 min
